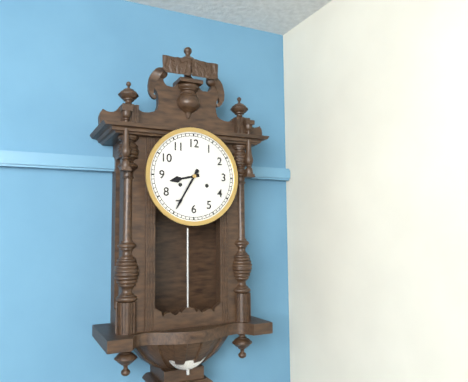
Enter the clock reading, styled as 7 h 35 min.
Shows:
8 h 35 min
